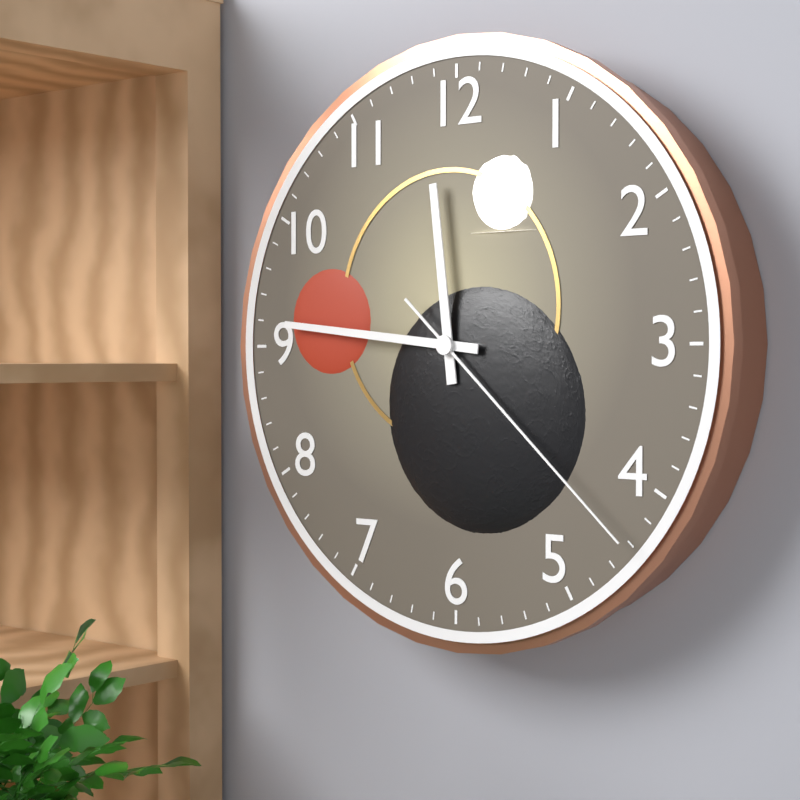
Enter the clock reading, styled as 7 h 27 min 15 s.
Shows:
11 h 46 min 22 s
